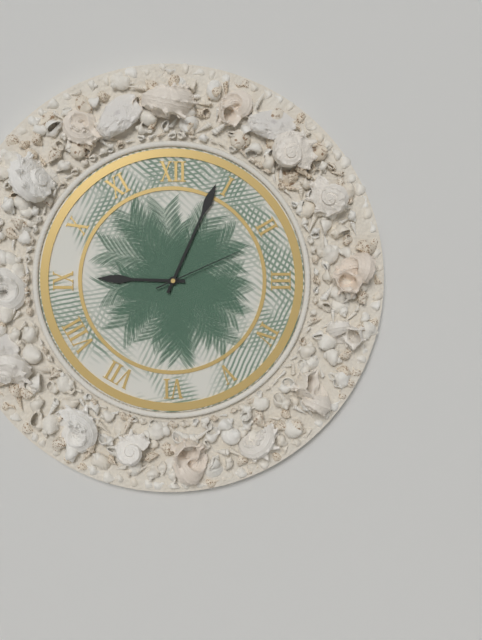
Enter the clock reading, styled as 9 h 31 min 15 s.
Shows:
9 h 04 min 11 s
